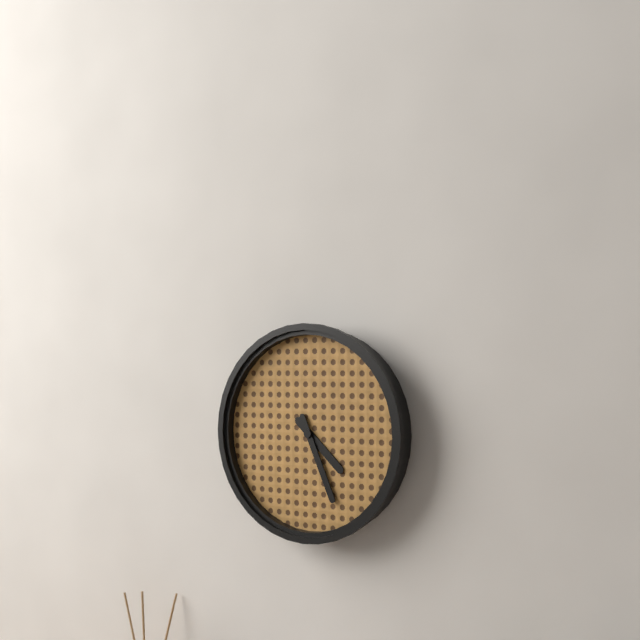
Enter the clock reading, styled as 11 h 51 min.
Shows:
4 h 26 min
